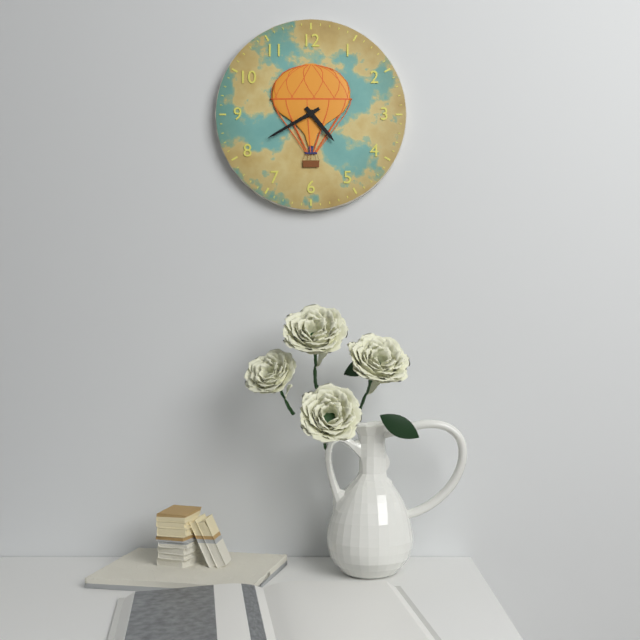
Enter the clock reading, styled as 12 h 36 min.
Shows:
4 h 40 min
